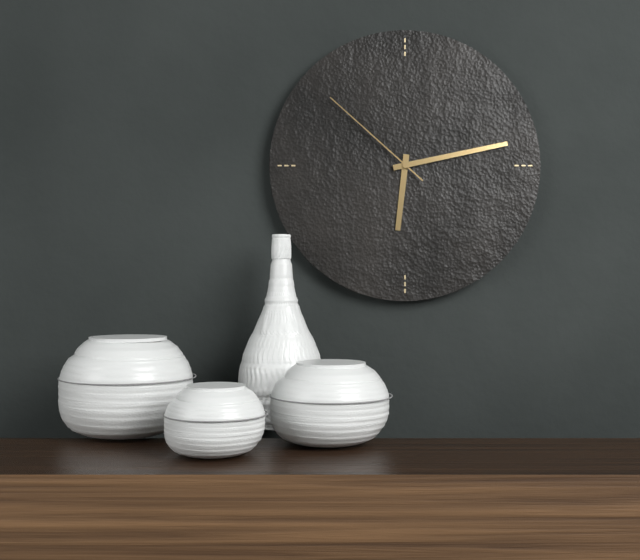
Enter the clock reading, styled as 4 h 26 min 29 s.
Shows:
6 h 13 min 52 s
